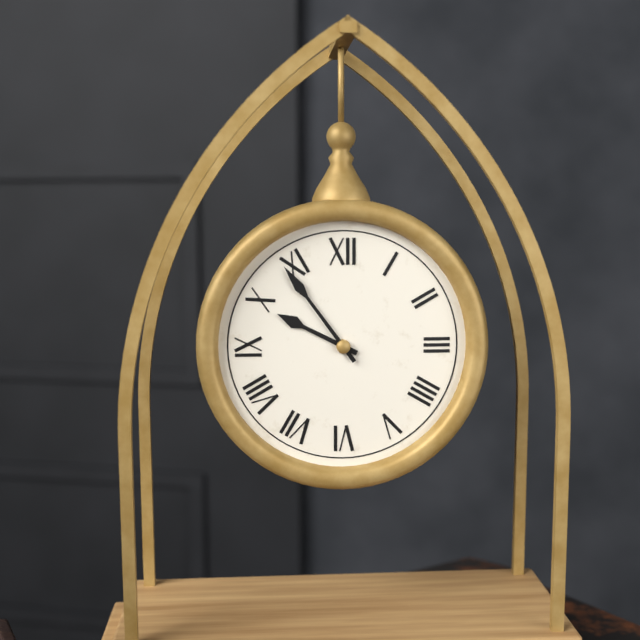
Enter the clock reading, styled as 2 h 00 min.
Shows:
9 h 54 min
